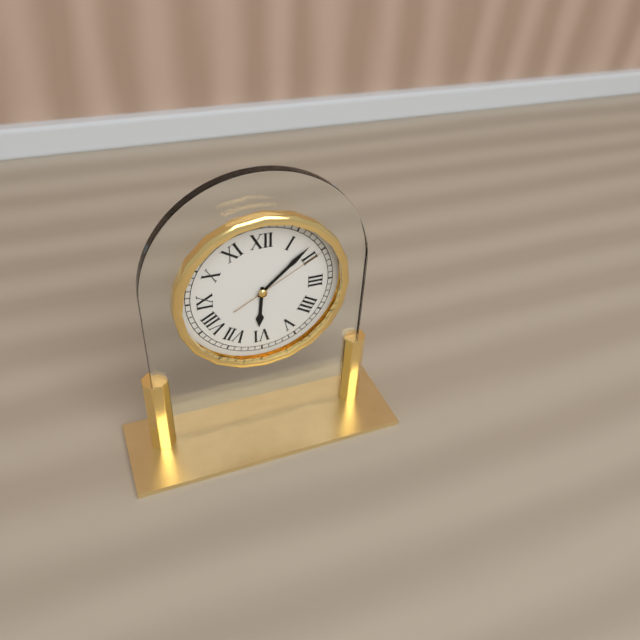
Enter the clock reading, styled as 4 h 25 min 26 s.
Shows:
6 h 08 min 10 s
